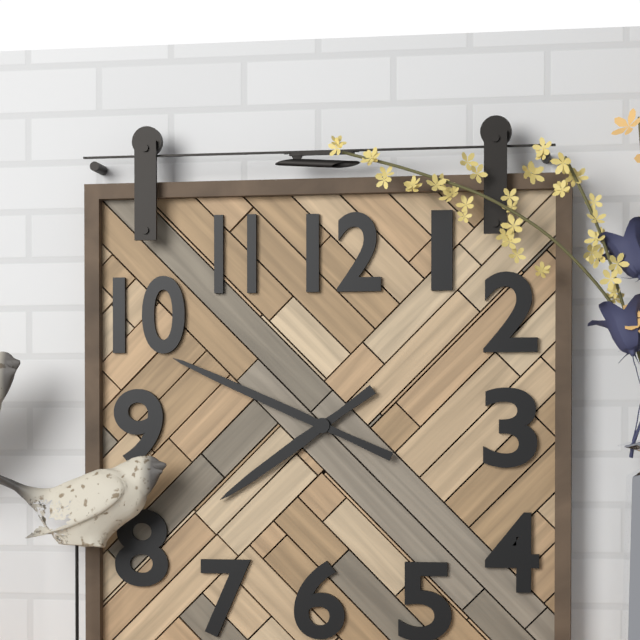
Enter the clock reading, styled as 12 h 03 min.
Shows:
7 h 49 min
